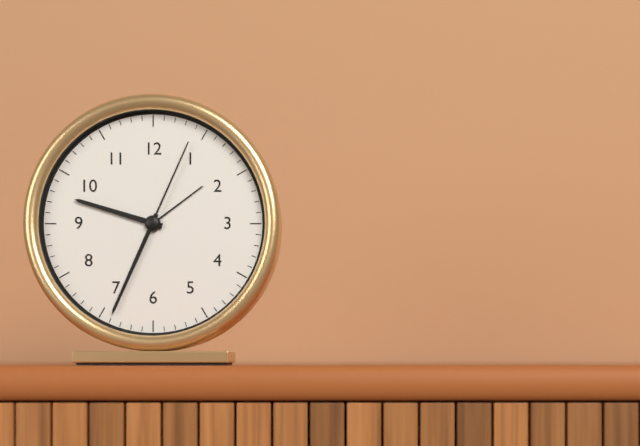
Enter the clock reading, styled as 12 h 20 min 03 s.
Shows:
9 h 34 min 04 s
